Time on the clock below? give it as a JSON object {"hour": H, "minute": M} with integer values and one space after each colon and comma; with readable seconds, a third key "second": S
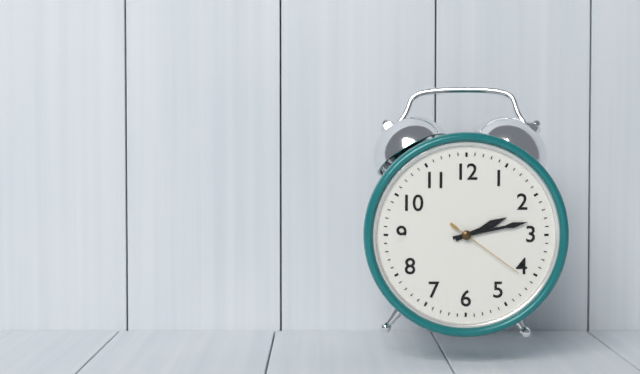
{"hour": 2, "minute": 13, "second": 21}
